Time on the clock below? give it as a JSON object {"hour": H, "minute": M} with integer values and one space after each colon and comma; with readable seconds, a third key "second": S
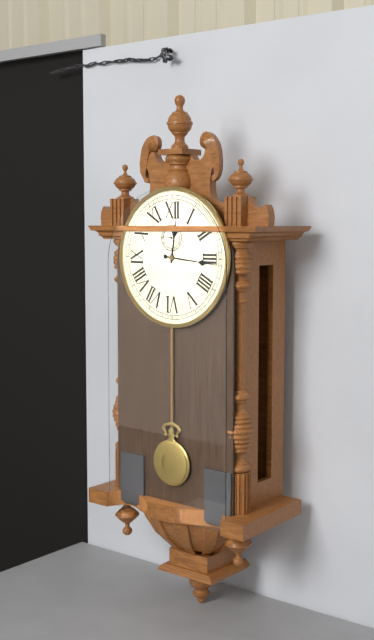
{"hour": 12, "minute": 16}
